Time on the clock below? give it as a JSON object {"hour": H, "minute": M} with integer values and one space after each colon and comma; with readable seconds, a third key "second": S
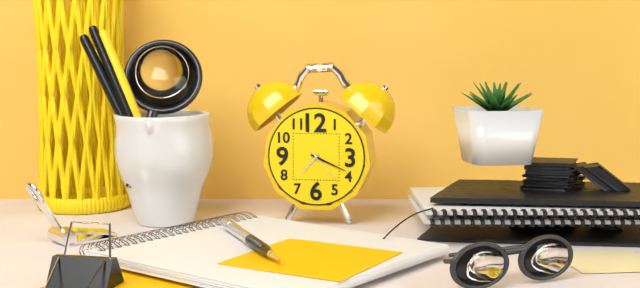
{"hour": 7, "minute": 19}
